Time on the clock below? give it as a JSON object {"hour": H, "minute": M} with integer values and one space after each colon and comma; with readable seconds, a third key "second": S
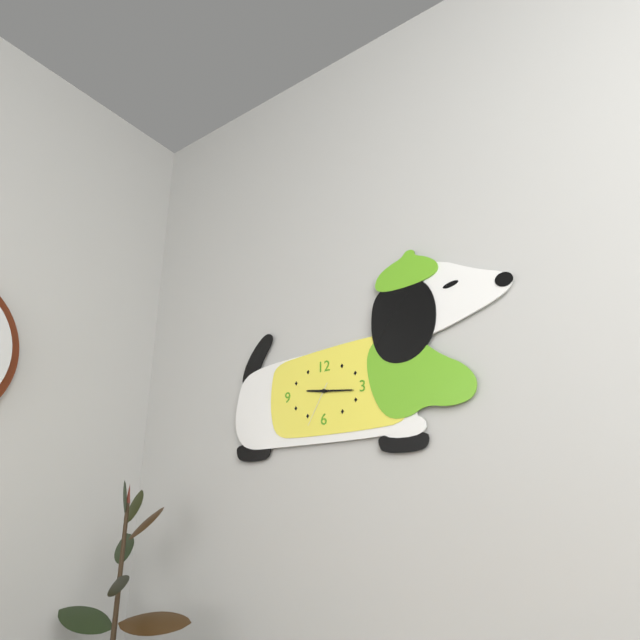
{"hour": 9, "minute": 16}
